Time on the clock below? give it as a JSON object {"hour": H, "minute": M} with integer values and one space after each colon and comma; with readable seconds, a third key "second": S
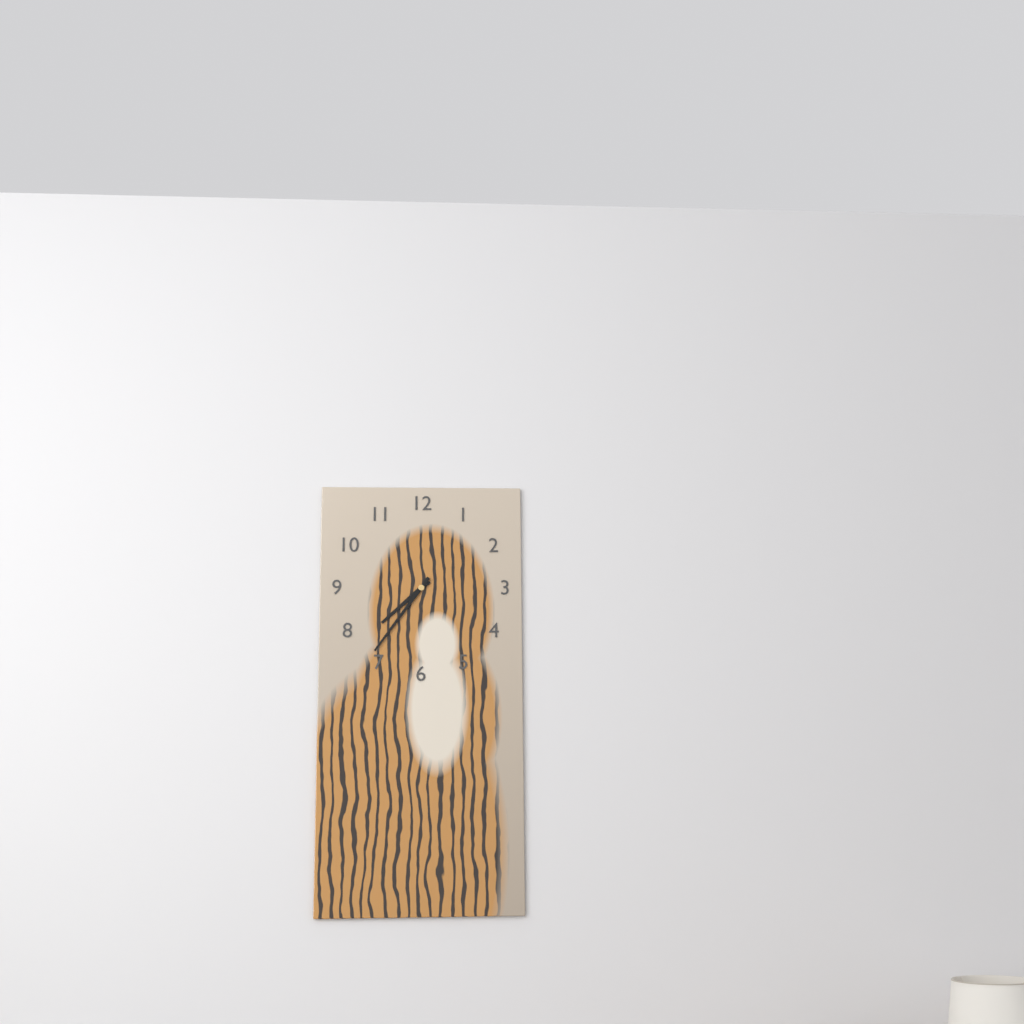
{"hour": 7, "minute": 36}
